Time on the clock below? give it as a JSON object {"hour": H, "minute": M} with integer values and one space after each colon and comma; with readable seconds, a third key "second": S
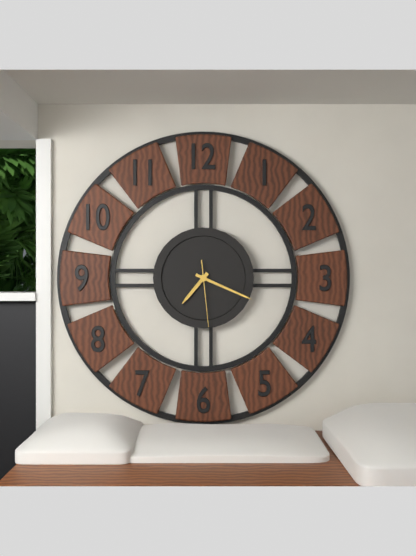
{"hour": 7, "minute": 19, "second": 29}
